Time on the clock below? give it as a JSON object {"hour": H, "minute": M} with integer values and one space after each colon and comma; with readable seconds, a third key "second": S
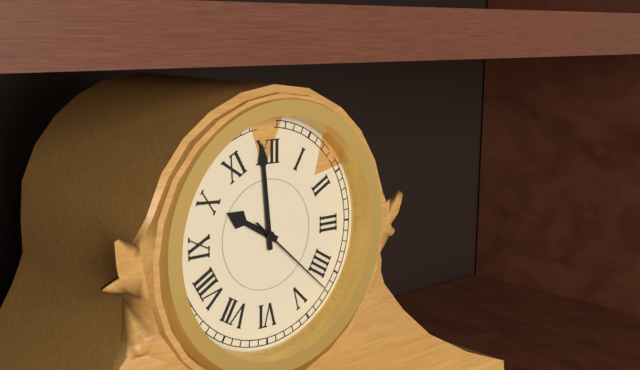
{"hour": 9, "minute": 59, "second": 22}
